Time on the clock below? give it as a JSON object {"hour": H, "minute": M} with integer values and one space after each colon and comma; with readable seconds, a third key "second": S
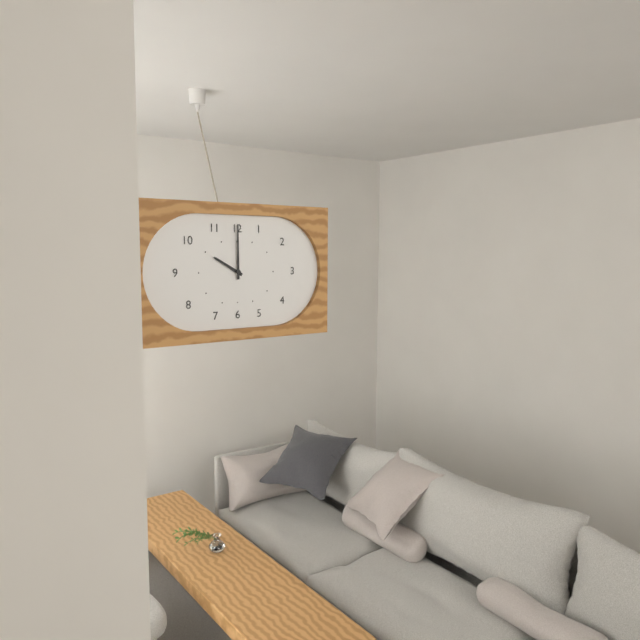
{"hour": 10, "minute": 0}
